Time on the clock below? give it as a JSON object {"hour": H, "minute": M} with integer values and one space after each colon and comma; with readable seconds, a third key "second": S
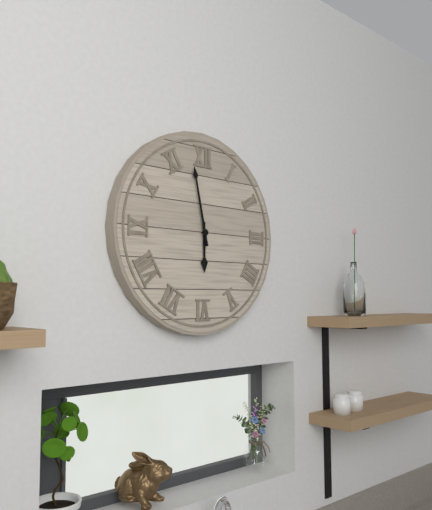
{"hour": 5, "minute": 58}
